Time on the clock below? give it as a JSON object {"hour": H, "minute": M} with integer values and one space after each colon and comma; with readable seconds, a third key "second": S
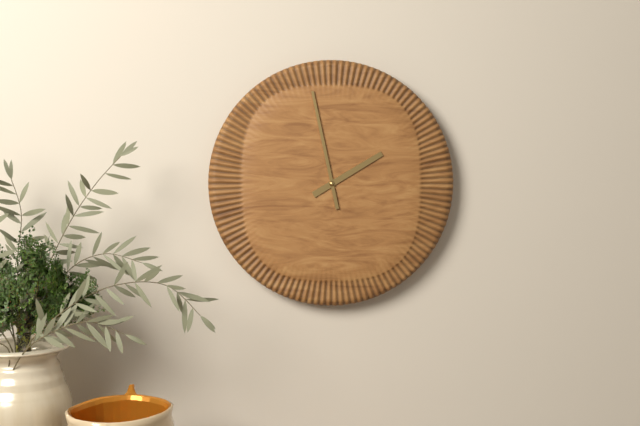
{"hour": 1, "minute": 58}
